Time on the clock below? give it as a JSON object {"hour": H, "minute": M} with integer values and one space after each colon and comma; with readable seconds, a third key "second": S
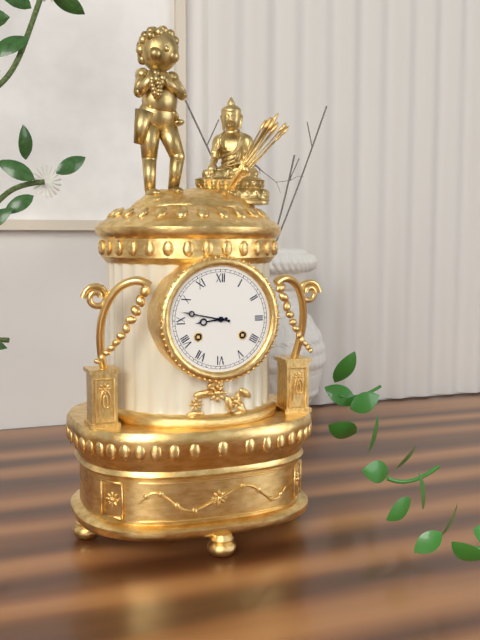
{"hour": 8, "minute": 47}
